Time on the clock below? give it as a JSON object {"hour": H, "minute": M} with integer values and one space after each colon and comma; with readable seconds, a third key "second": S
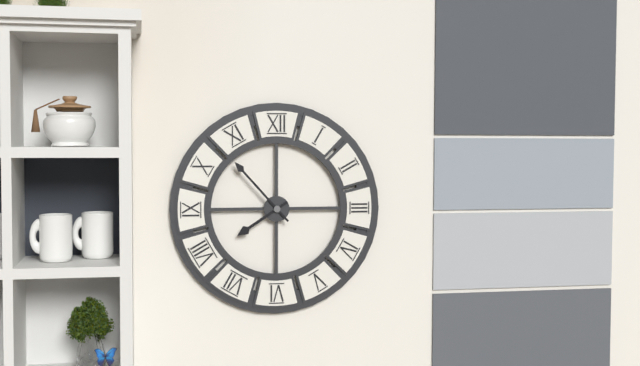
{"hour": 7, "minute": 53}
